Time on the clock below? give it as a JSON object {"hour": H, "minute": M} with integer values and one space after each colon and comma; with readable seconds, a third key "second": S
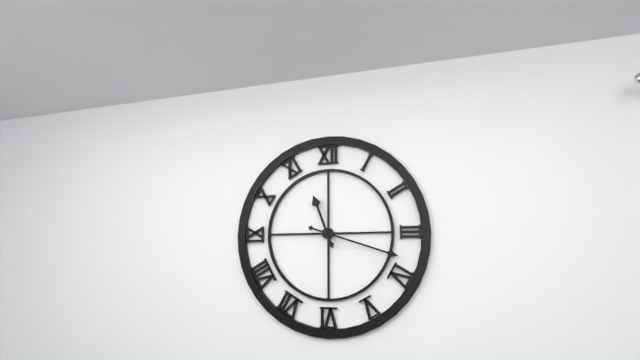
{"hour": 11, "minute": 18}
